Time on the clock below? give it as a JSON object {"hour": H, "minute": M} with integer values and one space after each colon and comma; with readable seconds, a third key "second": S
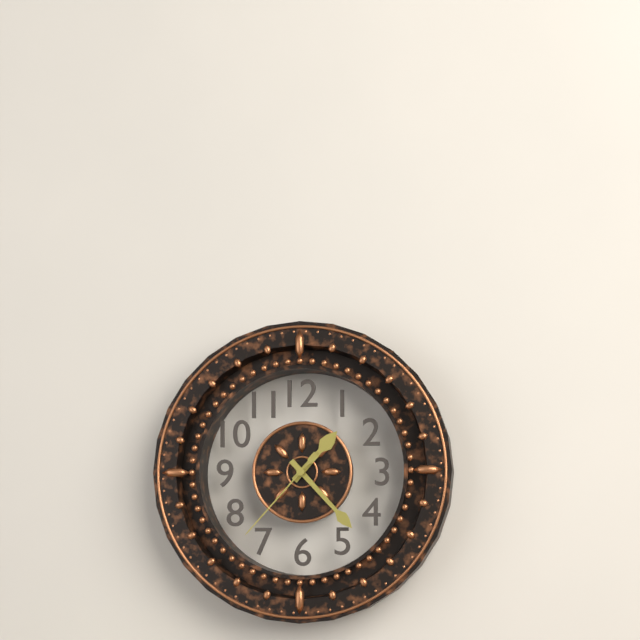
{"hour": 1, "minute": 23, "second": 37}
